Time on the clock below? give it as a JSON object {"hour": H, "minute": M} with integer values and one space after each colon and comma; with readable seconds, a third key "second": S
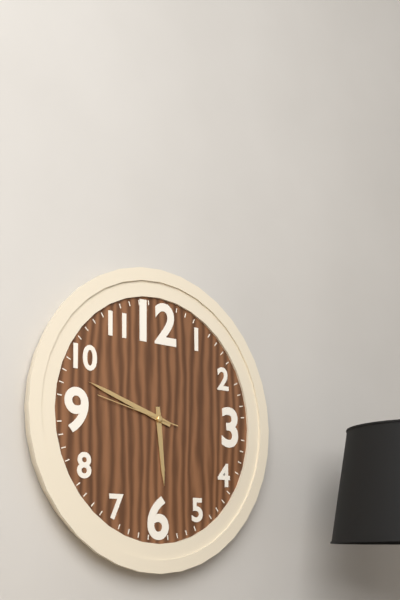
{"hour": 5, "minute": 48, "second": 47}
